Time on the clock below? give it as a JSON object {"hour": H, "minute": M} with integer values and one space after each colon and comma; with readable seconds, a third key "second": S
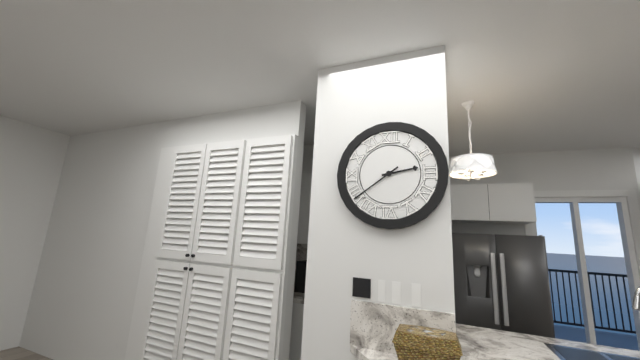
{"hour": 2, "minute": 39}
